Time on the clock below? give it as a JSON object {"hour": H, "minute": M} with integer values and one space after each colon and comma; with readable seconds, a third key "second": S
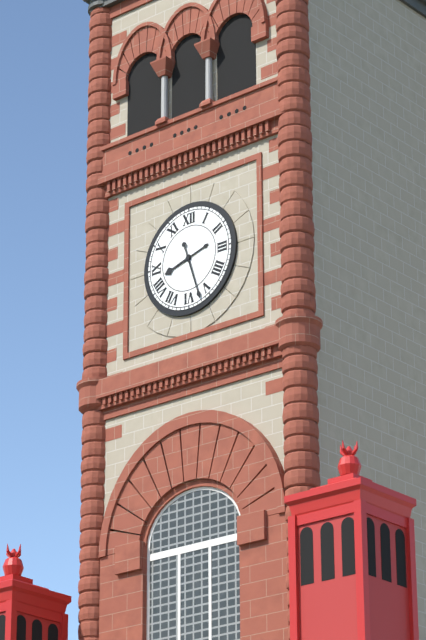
{"hour": 8, "minute": 27}
